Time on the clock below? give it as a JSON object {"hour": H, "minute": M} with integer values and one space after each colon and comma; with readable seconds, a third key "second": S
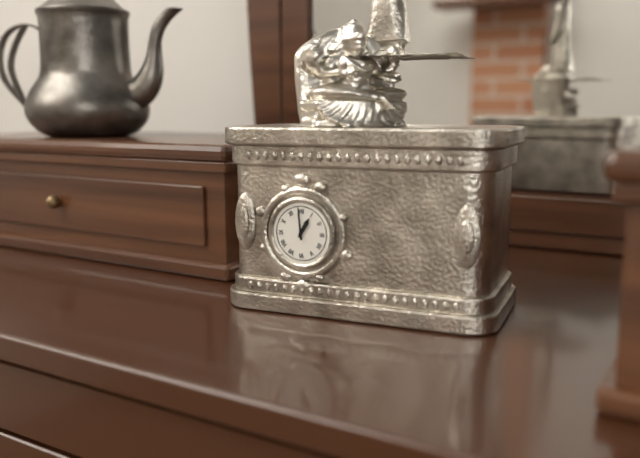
{"hour": 12, "minute": 59}
